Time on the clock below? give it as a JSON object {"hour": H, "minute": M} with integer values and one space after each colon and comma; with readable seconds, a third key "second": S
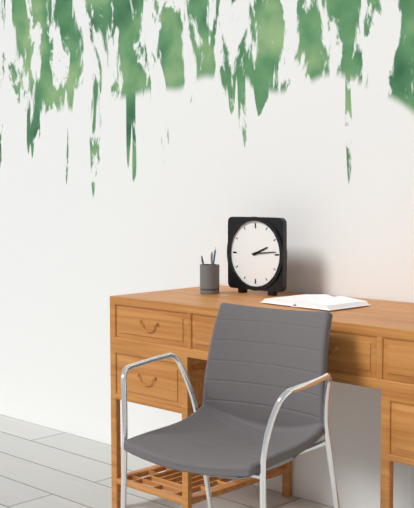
{"hour": 2, "minute": 14}
